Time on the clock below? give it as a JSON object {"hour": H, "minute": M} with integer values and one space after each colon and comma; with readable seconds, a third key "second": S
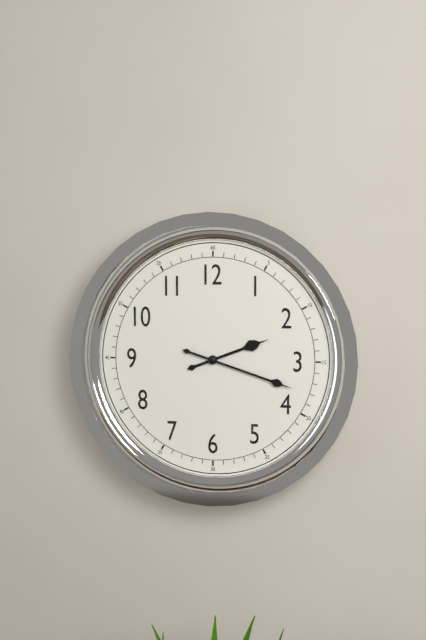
{"hour": 2, "minute": 18}
